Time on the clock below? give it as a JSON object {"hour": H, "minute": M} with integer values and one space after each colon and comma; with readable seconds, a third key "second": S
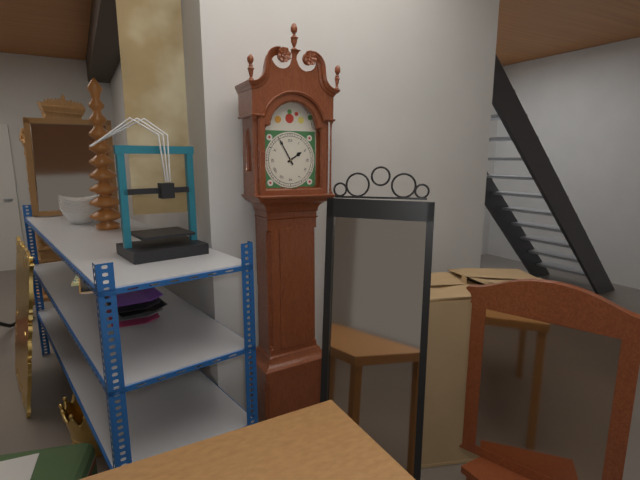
{"hour": 1, "minute": 55}
